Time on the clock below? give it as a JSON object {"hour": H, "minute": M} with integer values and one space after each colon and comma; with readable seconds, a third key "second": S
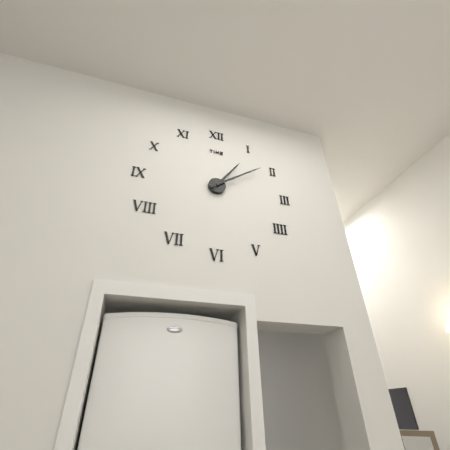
{"hour": 1, "minute": 9}
